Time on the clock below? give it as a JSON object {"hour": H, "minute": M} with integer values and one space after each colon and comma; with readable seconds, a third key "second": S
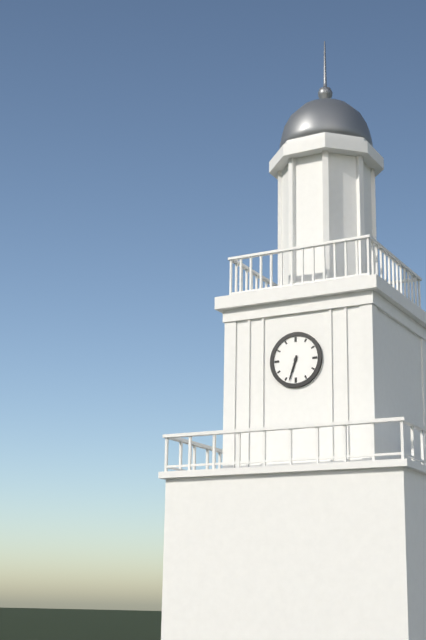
{"hour": 6, "minute": 33}
